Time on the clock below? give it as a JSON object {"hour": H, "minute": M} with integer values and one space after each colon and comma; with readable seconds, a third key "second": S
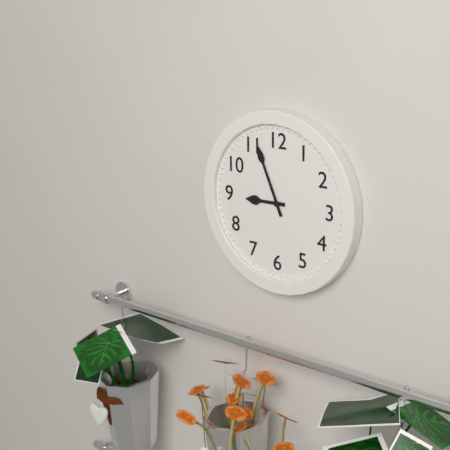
{"hour": 8, "minute": 56}
